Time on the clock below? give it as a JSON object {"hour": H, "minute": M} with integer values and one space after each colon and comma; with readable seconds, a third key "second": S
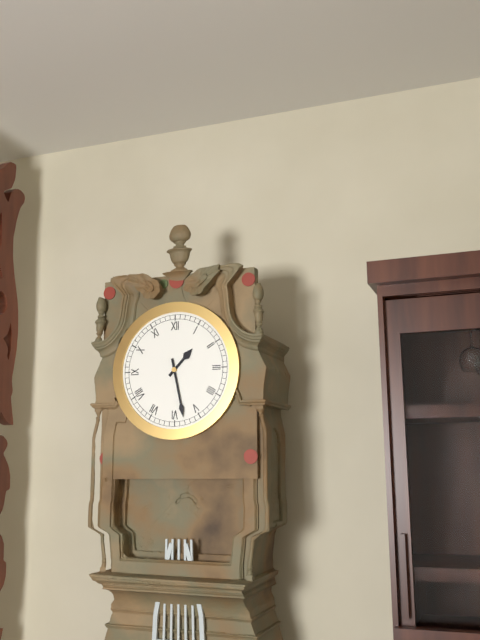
{"hour": 1, "minute": 28}
